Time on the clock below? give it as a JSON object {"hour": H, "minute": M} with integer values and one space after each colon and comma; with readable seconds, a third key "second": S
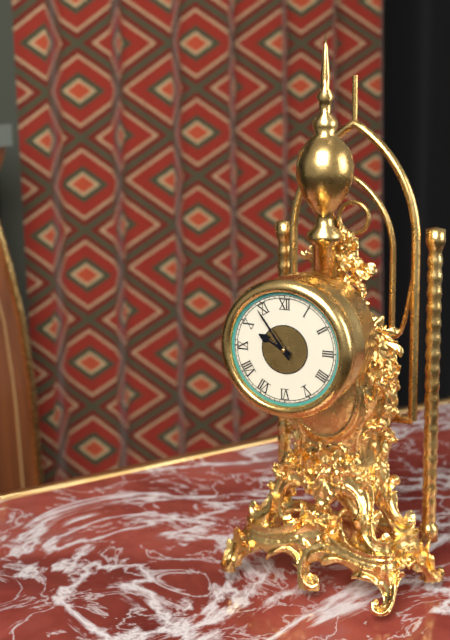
{"hour": 9, "minute": 54}
